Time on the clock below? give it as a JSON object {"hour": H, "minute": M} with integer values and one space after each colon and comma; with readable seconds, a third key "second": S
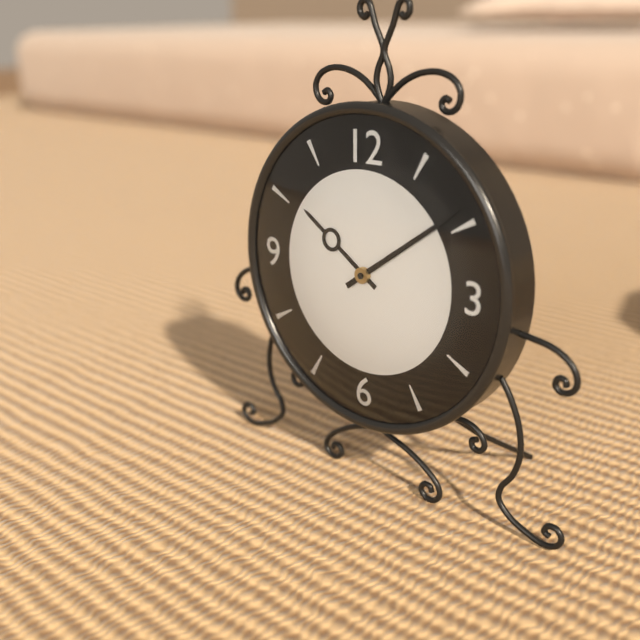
{"hour": 10, "minute": 9}
